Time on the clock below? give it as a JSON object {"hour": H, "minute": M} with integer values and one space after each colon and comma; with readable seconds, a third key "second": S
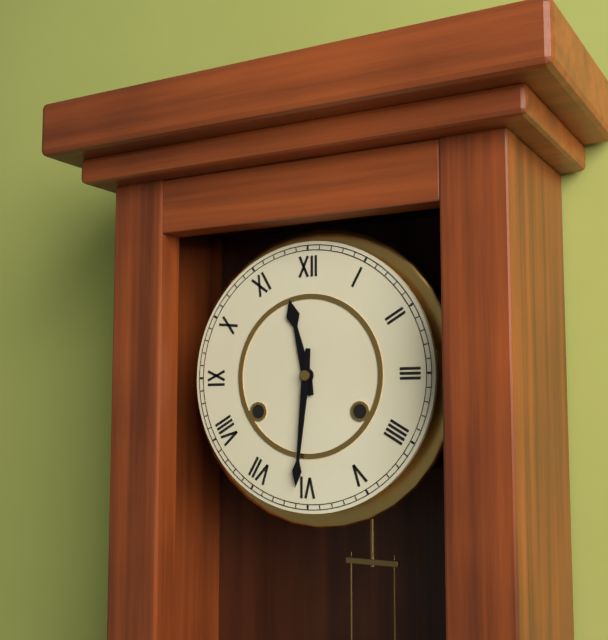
{"hour": 11, "minute": 31}
